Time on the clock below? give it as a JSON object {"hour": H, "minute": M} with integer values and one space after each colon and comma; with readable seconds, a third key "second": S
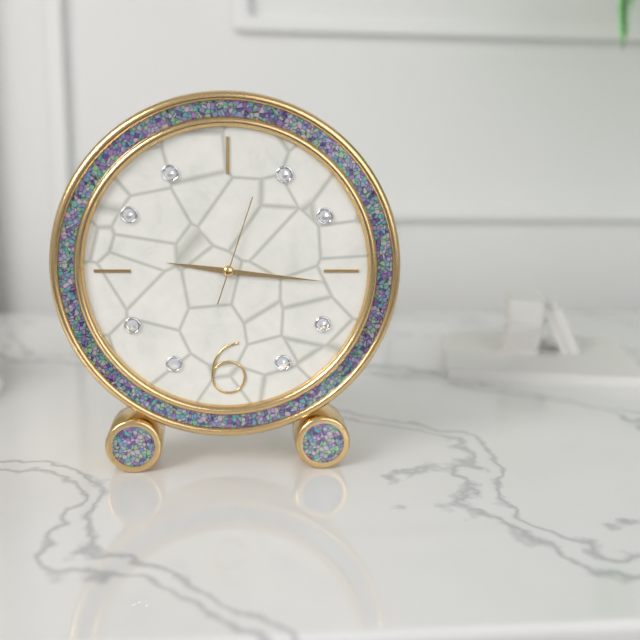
{"hour": 9, "minute": 16, "second": 3}
